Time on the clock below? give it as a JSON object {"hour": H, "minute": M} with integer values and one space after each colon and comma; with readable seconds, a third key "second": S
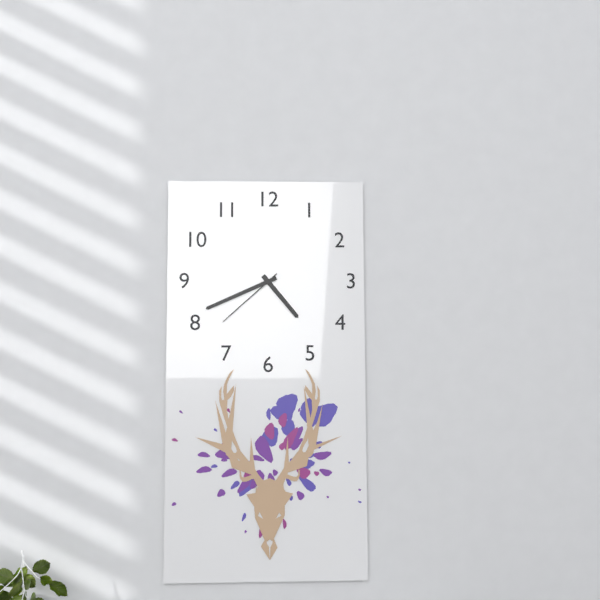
{"hour": 4, "minute": 41, "second": 38}
